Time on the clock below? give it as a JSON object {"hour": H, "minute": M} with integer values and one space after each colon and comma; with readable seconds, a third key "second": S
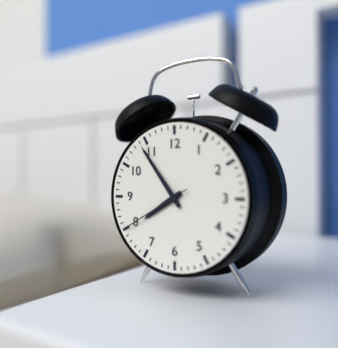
{"hour": 7, "minute": 54, "second": 40}
